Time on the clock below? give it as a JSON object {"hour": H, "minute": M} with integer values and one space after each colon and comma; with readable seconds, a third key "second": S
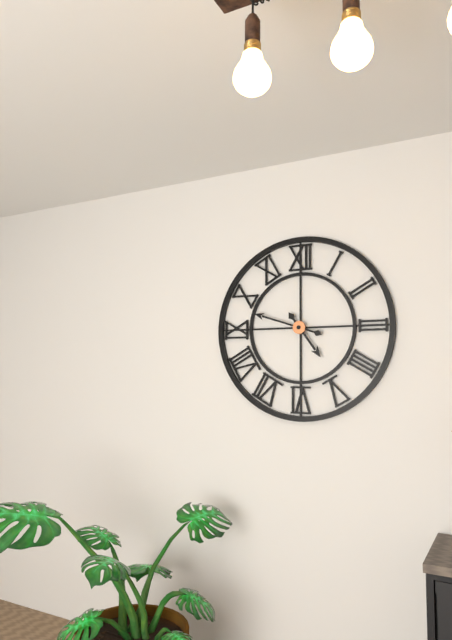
{"hour": 4, "minute": 48}
